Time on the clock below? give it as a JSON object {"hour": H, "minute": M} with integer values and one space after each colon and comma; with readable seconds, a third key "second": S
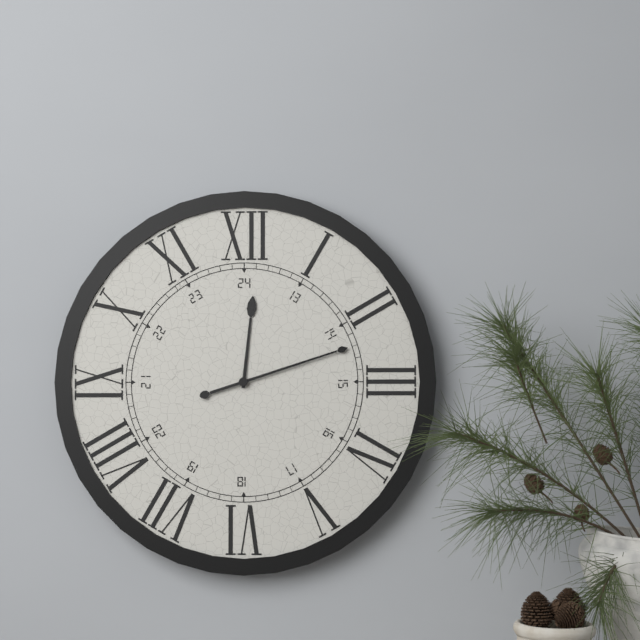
{"hour": 12, "minute": 12}
